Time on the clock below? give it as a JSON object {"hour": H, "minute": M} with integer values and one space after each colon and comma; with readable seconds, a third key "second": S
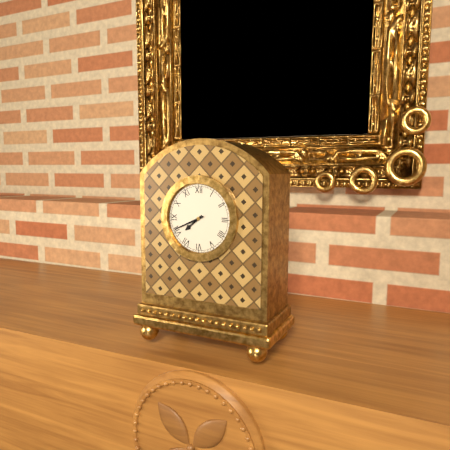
{"hour": 7, "minute": 41}
